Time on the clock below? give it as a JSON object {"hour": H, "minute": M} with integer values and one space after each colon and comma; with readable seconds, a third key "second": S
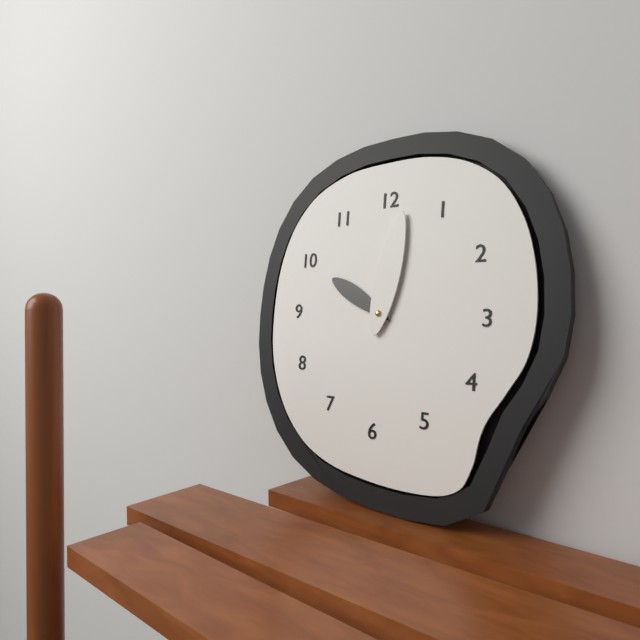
{"hour": 10, "minute": 2}
